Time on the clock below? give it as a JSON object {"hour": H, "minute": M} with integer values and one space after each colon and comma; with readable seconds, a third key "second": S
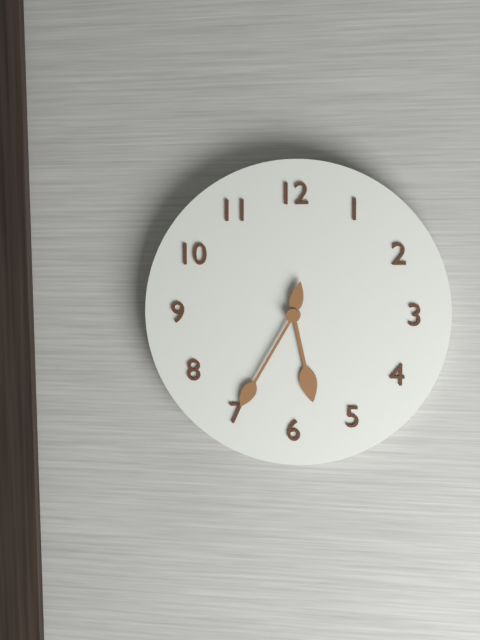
{"hour": 5, "minute": 35}
